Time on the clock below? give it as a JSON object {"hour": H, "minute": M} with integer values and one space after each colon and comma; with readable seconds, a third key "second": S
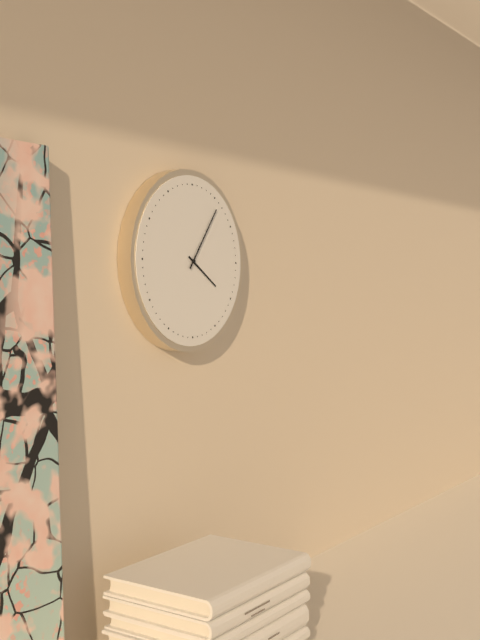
{"hour": 4, "minute": 6}
